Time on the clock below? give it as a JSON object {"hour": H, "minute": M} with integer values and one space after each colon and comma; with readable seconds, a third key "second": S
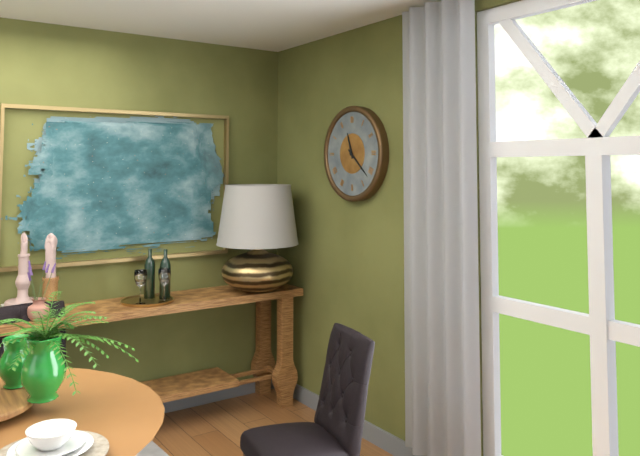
{"hour": 11, "minute": 22}
